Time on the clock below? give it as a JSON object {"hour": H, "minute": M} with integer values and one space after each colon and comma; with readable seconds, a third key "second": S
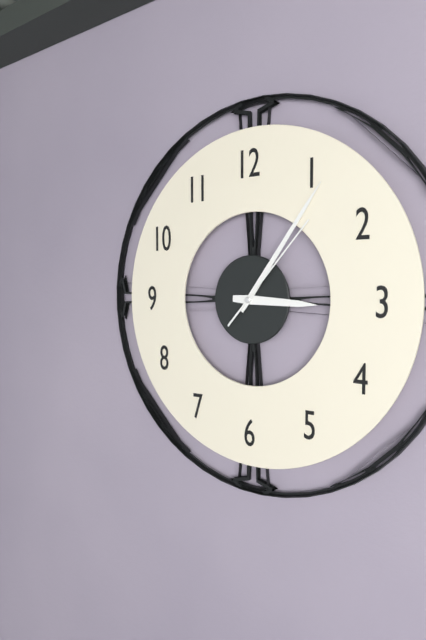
{"hour": 3, "minute": 6, "second": 7}
